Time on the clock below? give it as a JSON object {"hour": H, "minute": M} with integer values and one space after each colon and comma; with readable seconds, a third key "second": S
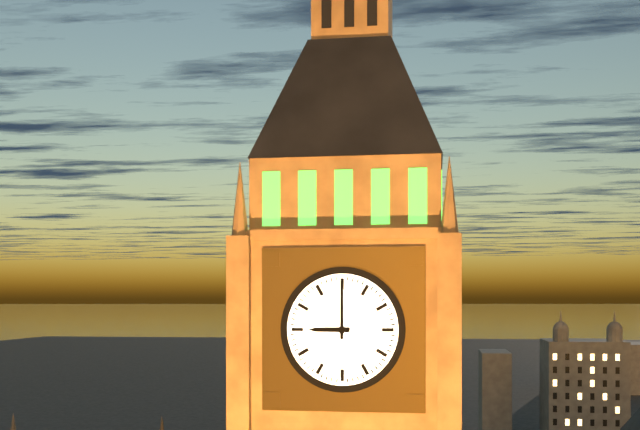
{"hour": 9, "minute": 0}
